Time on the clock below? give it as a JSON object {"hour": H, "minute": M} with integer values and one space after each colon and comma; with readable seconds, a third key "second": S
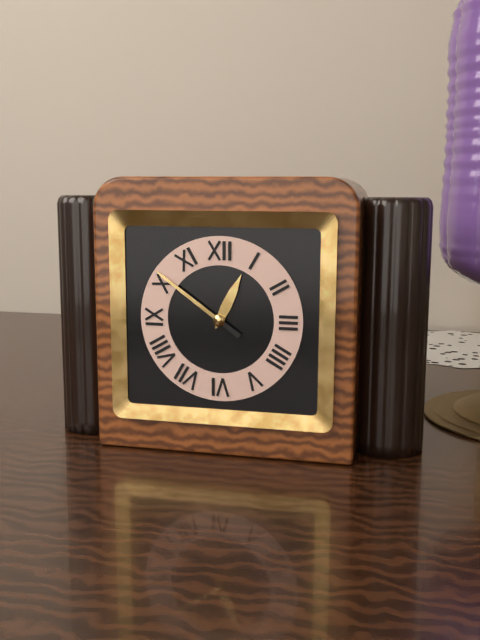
{"hour": 12, "minute": 51}
